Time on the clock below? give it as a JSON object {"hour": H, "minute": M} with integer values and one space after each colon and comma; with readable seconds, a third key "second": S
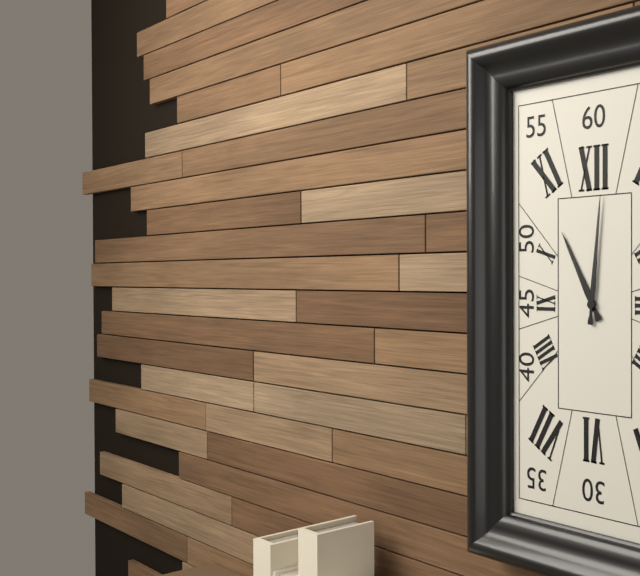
{"hour": 11, "minute": 1}
